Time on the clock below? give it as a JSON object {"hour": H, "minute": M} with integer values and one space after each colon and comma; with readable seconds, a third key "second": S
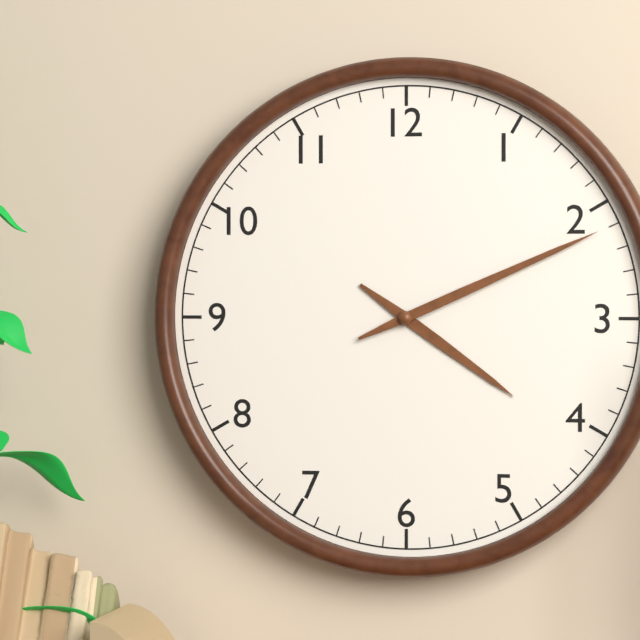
{"hour": 4, "minute": 11}
